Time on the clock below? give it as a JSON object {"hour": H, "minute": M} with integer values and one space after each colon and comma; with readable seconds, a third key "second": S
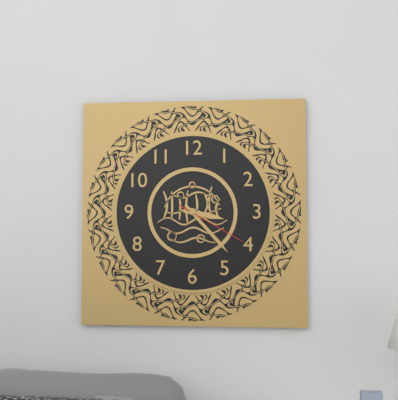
{"hour": 3, "minute": 23, "second": 20}
